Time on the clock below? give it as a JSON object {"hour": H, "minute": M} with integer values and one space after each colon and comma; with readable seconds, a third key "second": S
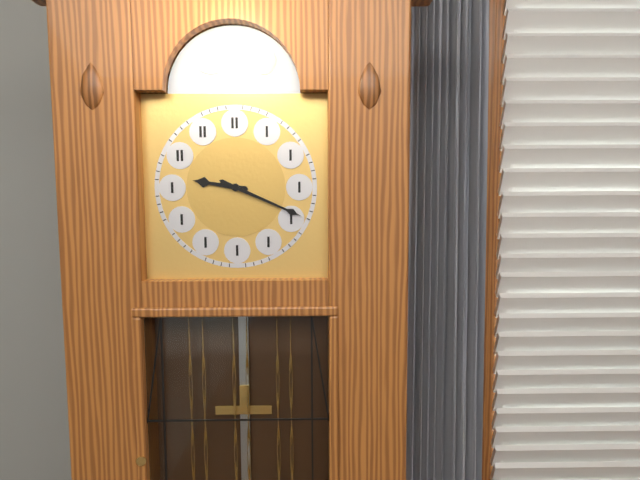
{"hour": 9, "minute": 19}
